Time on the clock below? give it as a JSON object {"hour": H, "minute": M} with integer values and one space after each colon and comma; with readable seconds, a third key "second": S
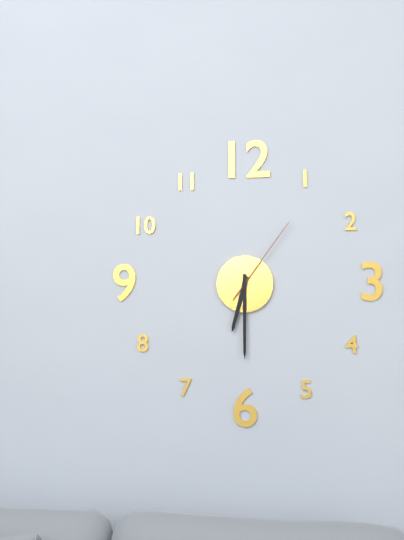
{"hour": 6, "minute": 30, "second": 6}
